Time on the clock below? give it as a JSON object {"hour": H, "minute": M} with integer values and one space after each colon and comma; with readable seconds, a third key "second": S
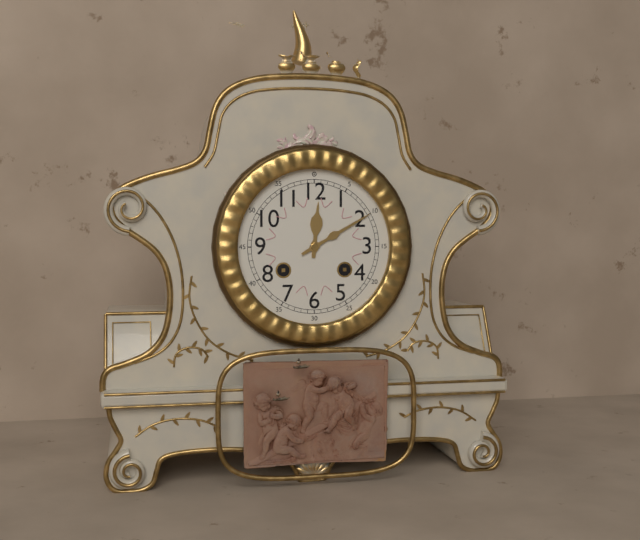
{"hour": 12, "minute": 10}
